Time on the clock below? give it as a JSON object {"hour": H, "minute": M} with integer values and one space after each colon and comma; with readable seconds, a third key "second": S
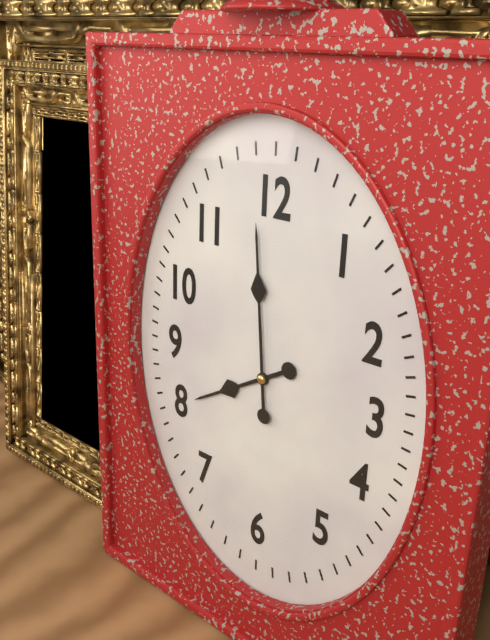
{"hour": 7, "minute": 59}
